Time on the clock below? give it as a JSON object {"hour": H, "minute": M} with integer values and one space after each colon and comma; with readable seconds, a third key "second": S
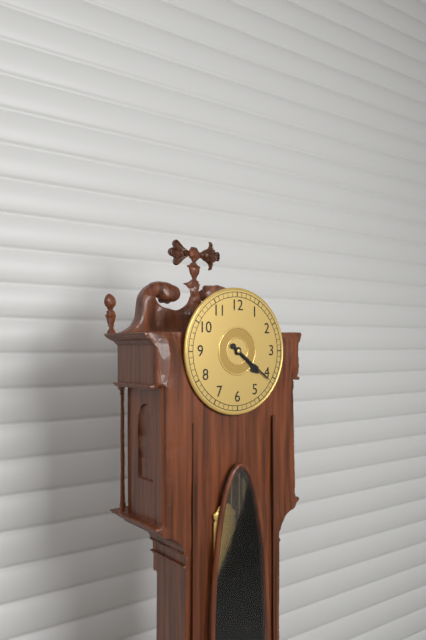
{"hour": 4, "minute": 21}
